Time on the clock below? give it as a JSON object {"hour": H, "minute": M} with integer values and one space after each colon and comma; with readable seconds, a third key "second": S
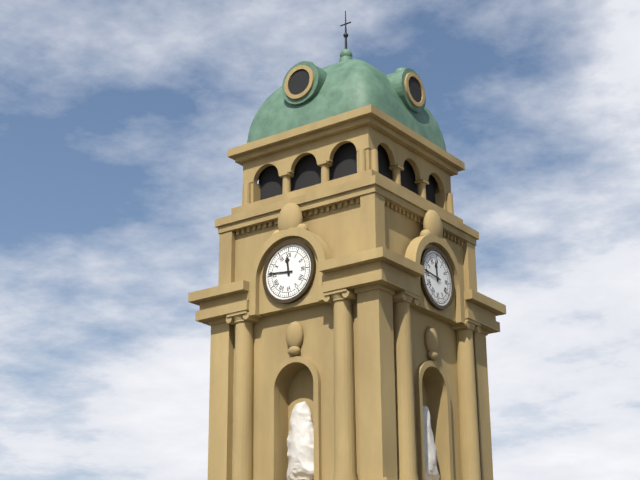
{"hour": 11, "minute": 46}
